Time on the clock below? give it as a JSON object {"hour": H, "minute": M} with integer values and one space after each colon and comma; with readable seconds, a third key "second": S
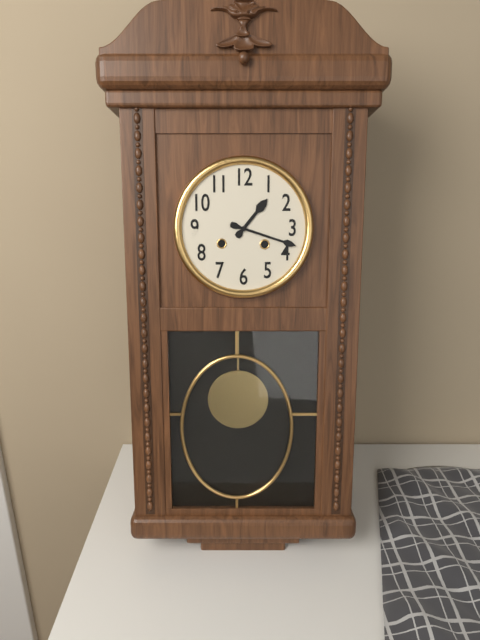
{"hour": 1, "minute": 18}
